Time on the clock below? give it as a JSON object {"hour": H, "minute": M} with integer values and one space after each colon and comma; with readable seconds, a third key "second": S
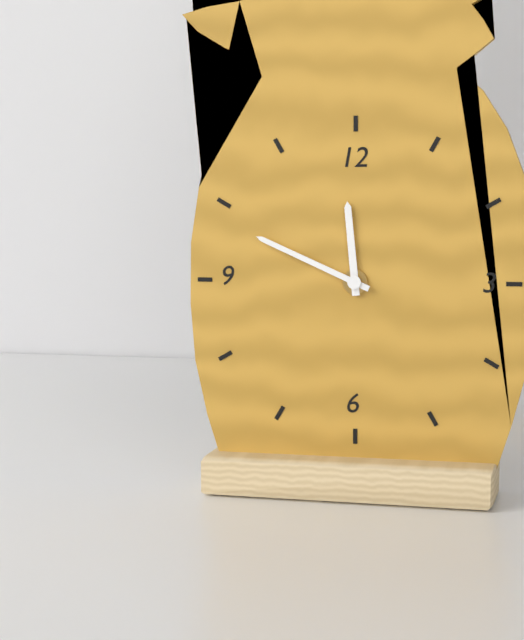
{"hour": 11, "minute": 49}
